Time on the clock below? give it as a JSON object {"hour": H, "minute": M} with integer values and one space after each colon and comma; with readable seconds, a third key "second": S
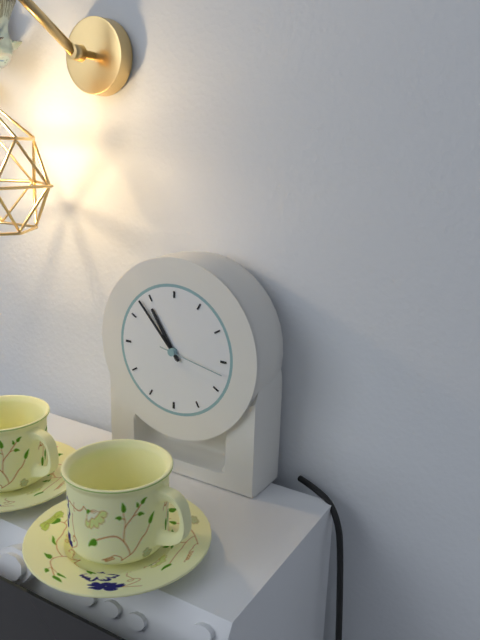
{"hour": 10, "minute": 53, "second": 17}
